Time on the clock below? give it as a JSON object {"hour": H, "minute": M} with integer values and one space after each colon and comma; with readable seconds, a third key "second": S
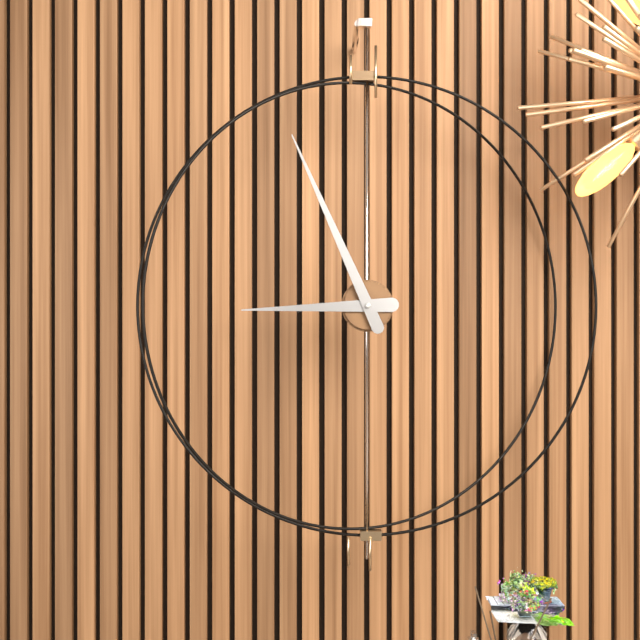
{"hour": 8, "minute": 56}
